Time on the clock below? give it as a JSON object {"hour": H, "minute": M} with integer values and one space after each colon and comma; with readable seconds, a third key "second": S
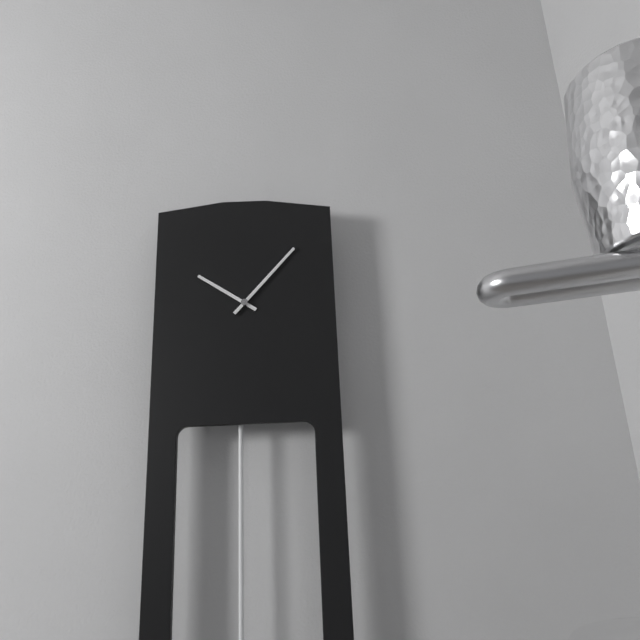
{"hour": 10, "minute": 7}
